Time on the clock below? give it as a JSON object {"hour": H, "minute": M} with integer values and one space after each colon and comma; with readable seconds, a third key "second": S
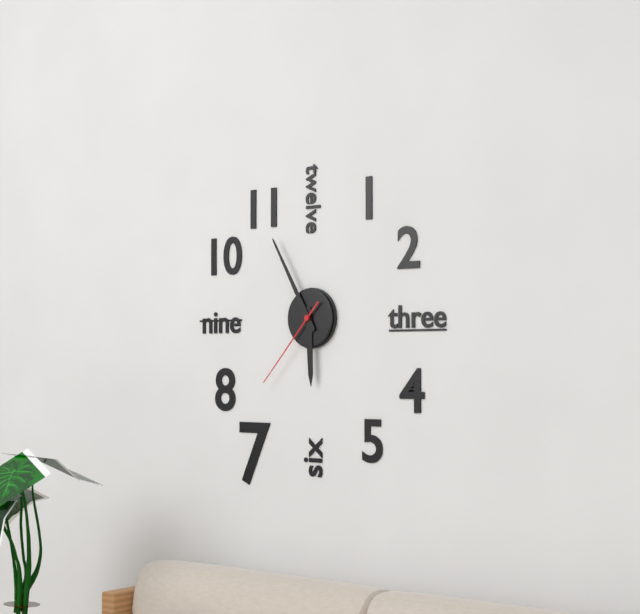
{"hour": 5, "minute": 55, "second": 37}
